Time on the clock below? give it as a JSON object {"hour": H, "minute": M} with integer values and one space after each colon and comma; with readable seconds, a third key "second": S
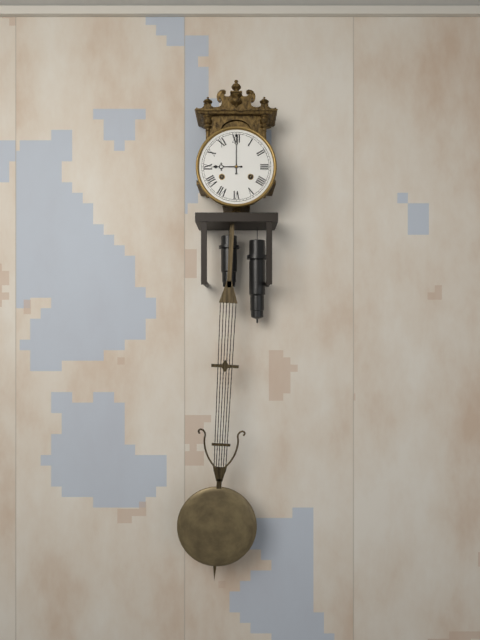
{"hour": 9, "minute": 0}
